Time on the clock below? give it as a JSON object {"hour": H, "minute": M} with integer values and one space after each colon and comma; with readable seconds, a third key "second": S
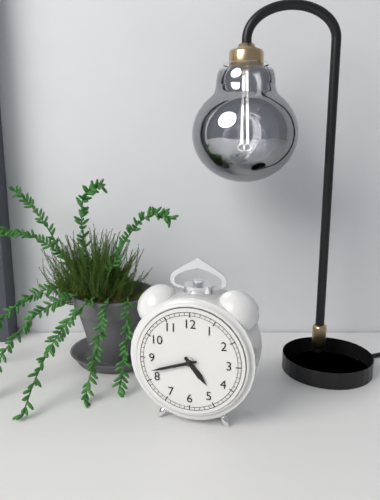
{"hour": 4, "minute": 42}
